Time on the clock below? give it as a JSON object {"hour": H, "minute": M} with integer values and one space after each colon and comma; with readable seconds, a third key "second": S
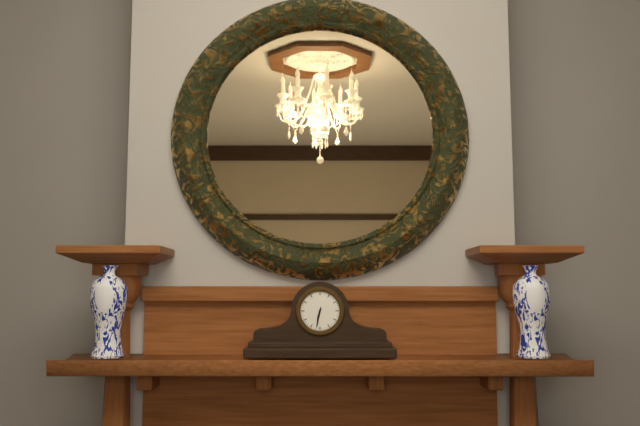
{"hour": 6, "minute": 32}
